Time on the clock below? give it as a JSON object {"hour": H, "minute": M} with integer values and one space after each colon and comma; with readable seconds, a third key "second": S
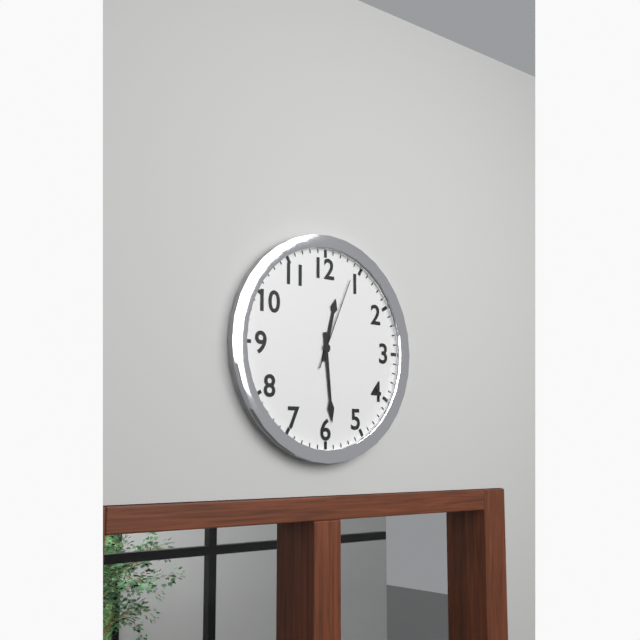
{"hour": 12, "minute": 29, "second": 4}
